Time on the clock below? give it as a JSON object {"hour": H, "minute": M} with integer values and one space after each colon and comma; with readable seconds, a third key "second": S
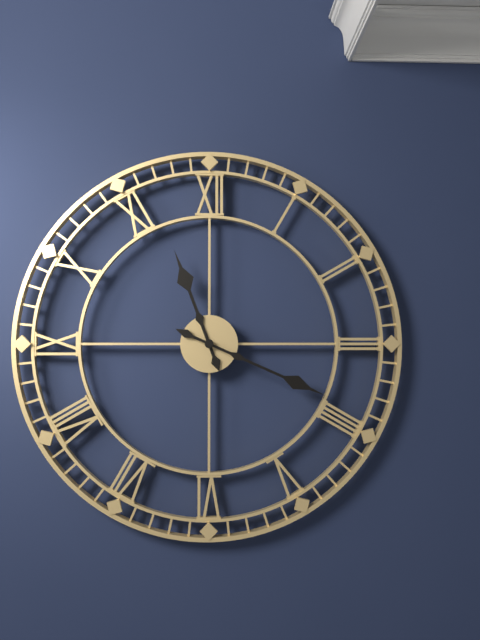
{"hour": 11, "minute": 19}
